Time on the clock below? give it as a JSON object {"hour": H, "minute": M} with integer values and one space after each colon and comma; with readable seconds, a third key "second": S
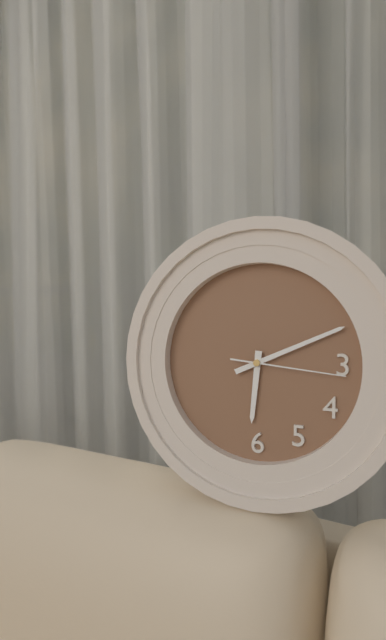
{"hour": 6, "minute": 11, "second": 16}
